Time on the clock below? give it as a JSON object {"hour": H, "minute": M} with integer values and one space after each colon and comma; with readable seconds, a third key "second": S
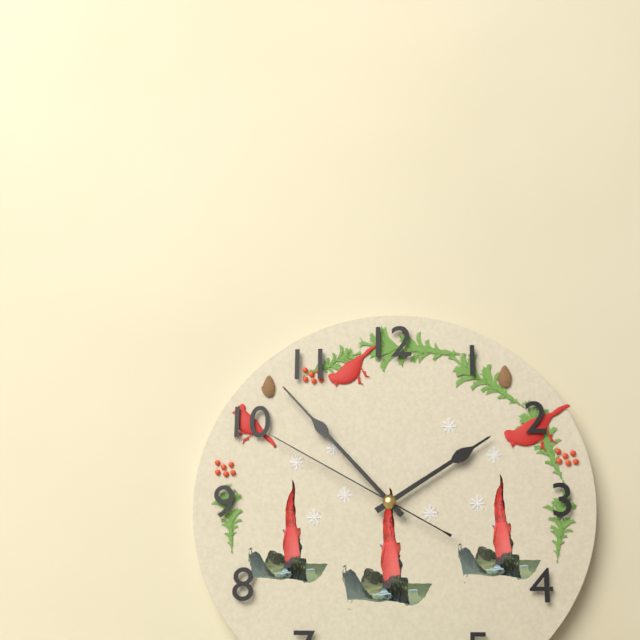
{"hour": 1, "minute": 53, "second": 50}
